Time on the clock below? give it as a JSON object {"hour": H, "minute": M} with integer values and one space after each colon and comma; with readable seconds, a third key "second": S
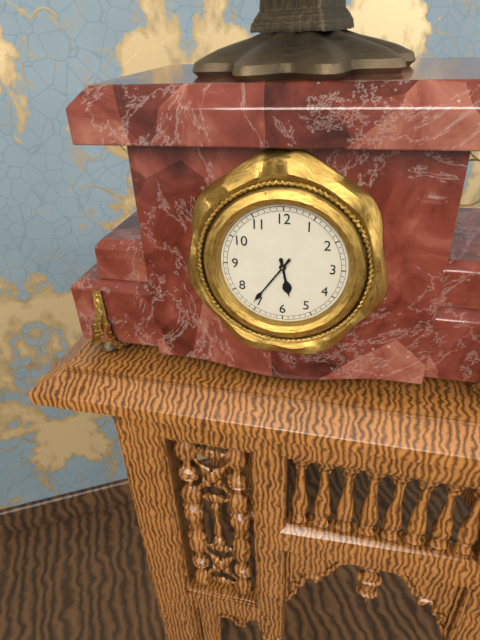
{"hour": 5, "minute": 36}
